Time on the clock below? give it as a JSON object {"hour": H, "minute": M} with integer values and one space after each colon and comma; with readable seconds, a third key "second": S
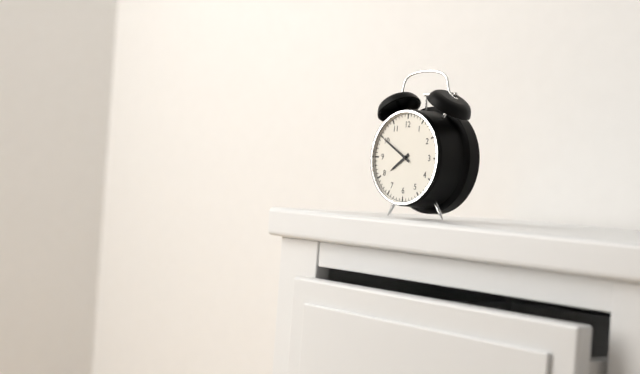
{"hour": 7, "minute": 50}
